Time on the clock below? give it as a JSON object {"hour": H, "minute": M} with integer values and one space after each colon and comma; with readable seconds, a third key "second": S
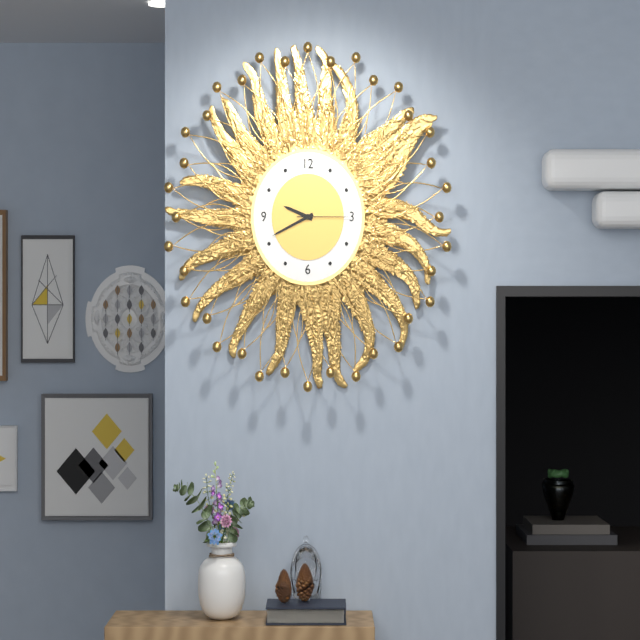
{"hour": 9, "minute": 41, "second": 15}
